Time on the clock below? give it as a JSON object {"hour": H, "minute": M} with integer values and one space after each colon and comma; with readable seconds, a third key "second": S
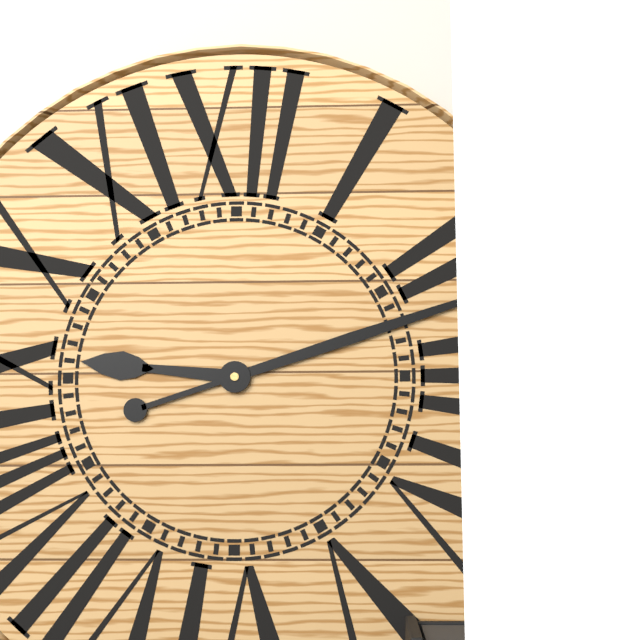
{"hour": 9, "minute": 12}
